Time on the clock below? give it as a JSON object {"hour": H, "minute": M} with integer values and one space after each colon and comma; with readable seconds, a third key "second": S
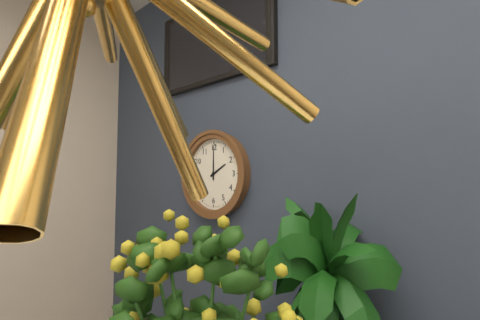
{"hour": 2, "minute": 0}
